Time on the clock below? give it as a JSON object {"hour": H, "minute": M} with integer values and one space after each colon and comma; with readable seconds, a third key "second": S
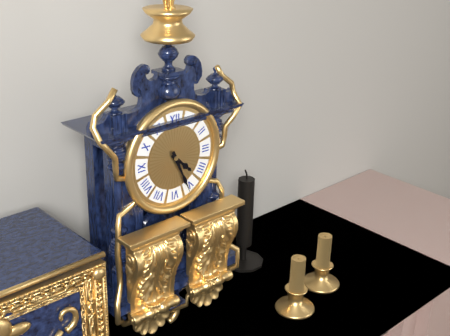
{"hour": 4, "minute": 26}
